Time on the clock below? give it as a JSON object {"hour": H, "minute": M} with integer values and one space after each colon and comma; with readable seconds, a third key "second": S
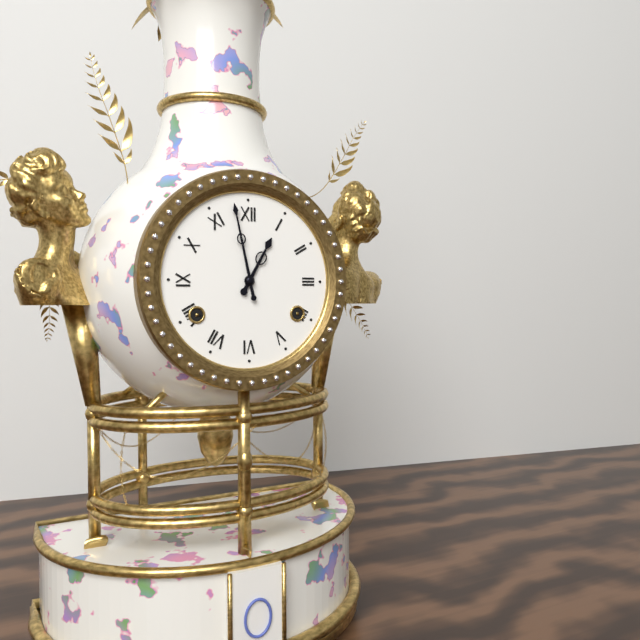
{"hour": 12, "minute": 58}
